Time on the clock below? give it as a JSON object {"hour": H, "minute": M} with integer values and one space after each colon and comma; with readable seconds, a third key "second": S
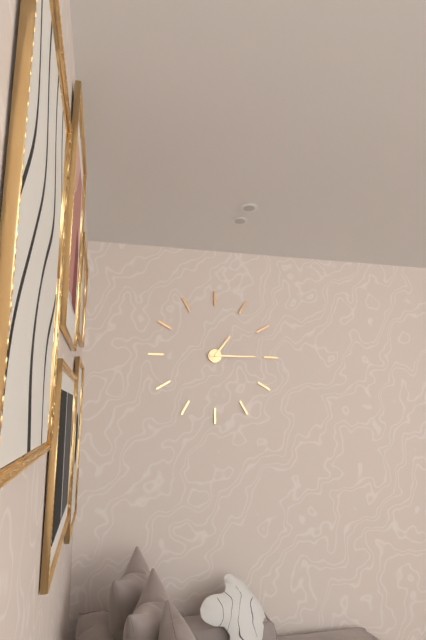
{"hour": 1, "minute": 15}
